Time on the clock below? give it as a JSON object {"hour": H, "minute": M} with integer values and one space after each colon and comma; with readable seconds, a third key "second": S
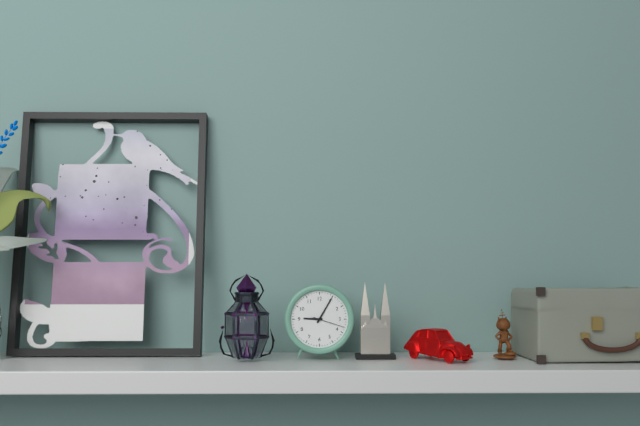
{"hour": 9, "minute": 5}
